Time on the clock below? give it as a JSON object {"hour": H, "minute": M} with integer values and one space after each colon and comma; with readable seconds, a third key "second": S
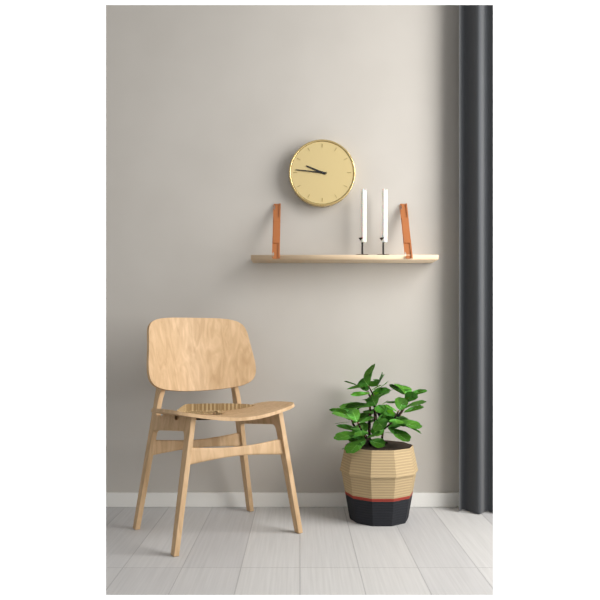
{"hour": 9, "minute": 46}
